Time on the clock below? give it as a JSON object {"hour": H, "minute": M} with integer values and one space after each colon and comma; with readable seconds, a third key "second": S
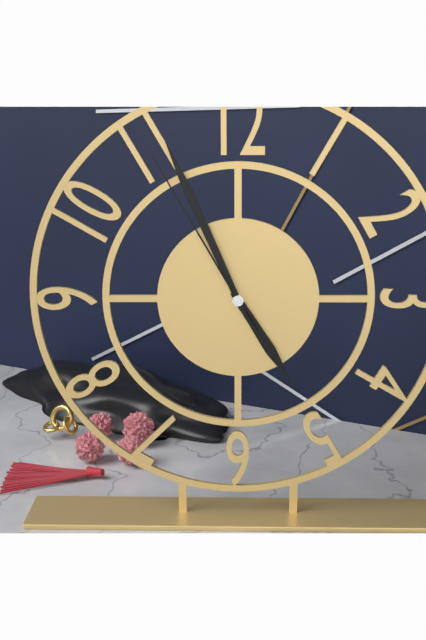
{"hour": 4, "minute": 56, "second": 55}
